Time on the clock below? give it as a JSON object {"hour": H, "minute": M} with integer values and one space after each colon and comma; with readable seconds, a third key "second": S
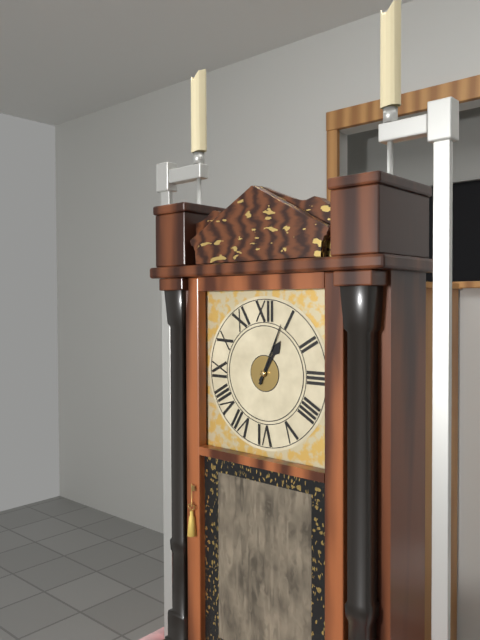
{"hour": 1, "minute": 4}
